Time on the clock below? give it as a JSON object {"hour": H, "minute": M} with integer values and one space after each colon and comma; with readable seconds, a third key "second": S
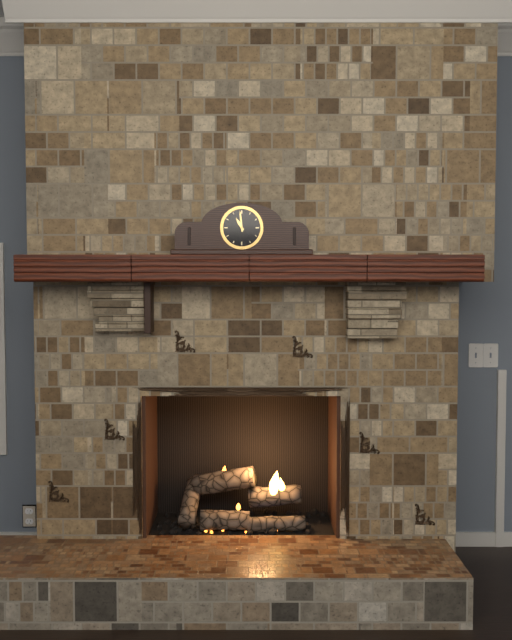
{"hour": 10, "minute": 59}
